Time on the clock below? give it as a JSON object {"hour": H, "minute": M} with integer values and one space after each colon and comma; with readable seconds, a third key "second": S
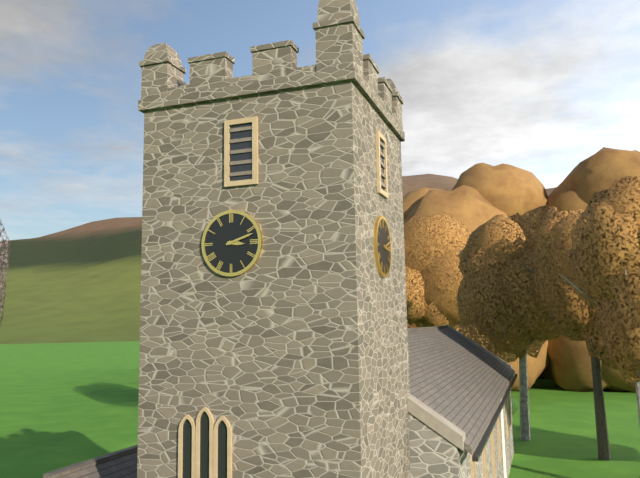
{"hour": 3, "minute": 12}
